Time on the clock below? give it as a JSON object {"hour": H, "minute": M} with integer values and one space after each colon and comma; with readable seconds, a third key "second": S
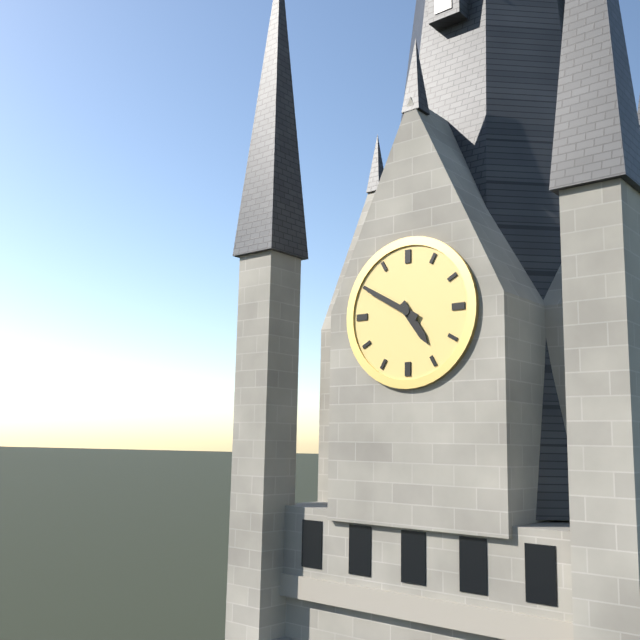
{"hour": 4, "minute": 50}
